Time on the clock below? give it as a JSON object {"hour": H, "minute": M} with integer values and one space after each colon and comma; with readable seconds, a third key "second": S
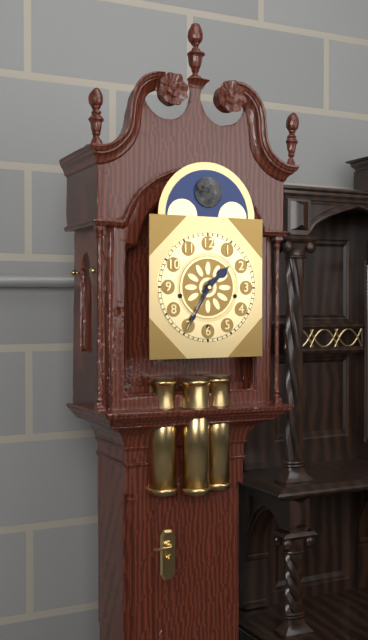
{"hour": 1, "minute": 35}
